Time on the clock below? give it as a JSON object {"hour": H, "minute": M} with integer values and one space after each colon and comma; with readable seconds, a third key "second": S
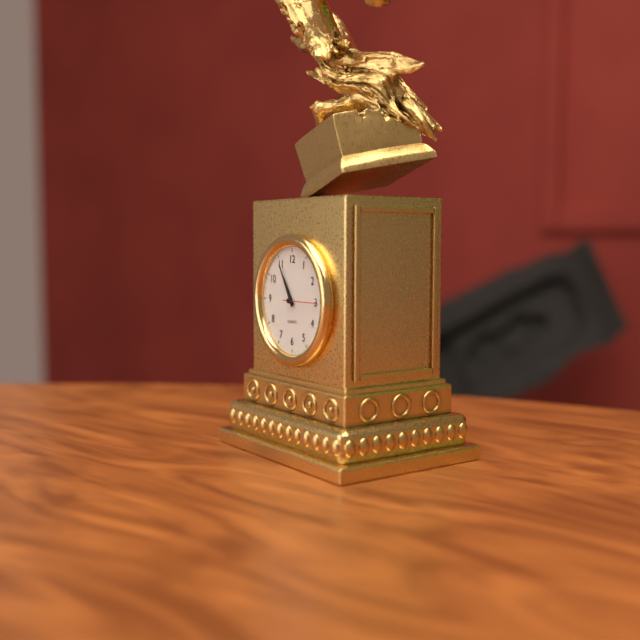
{"hour": 10, "minute": 55}
